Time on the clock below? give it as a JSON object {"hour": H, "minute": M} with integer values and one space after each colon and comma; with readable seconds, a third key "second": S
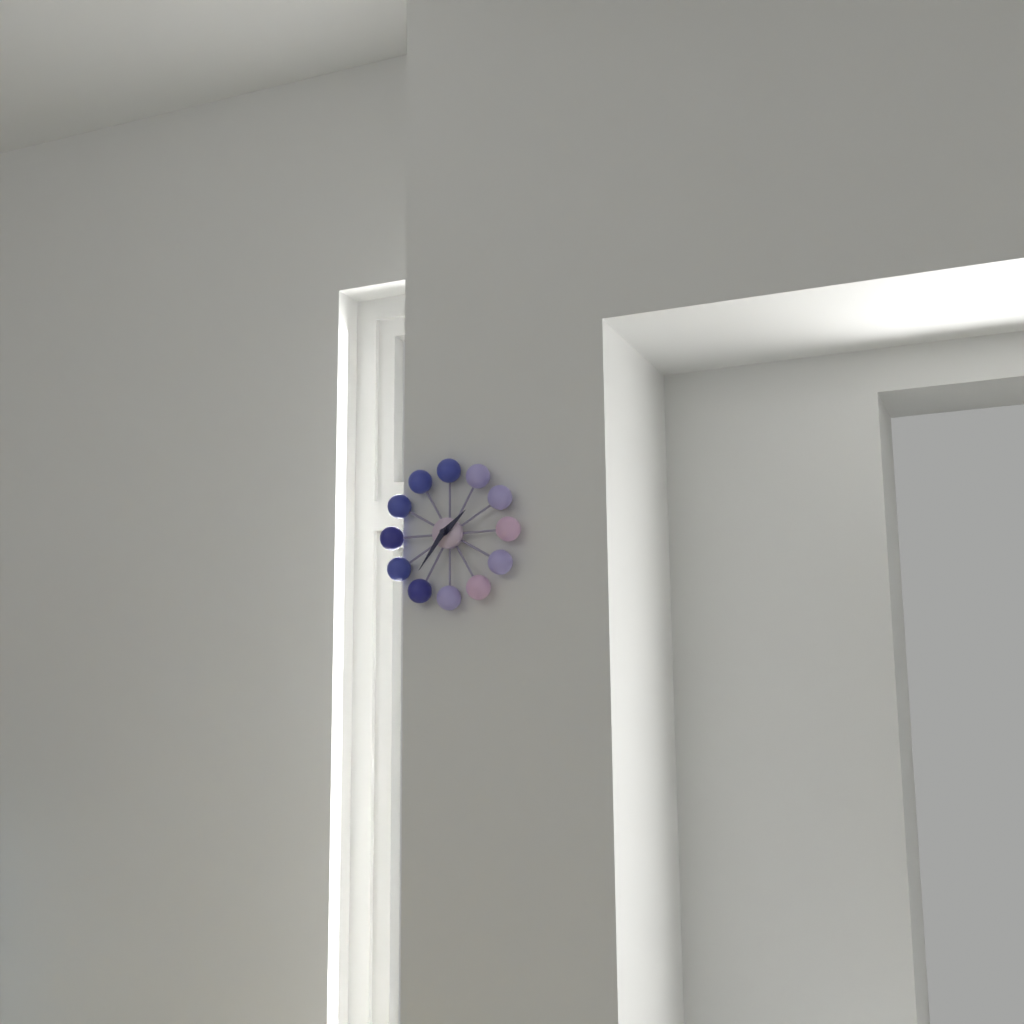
{"hour": 1, "minute": 36}
